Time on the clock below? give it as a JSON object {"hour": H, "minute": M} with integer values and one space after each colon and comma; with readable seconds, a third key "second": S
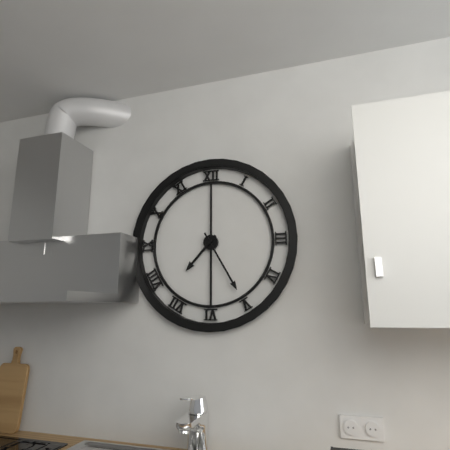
{"hour": 7, "minute": 25}
